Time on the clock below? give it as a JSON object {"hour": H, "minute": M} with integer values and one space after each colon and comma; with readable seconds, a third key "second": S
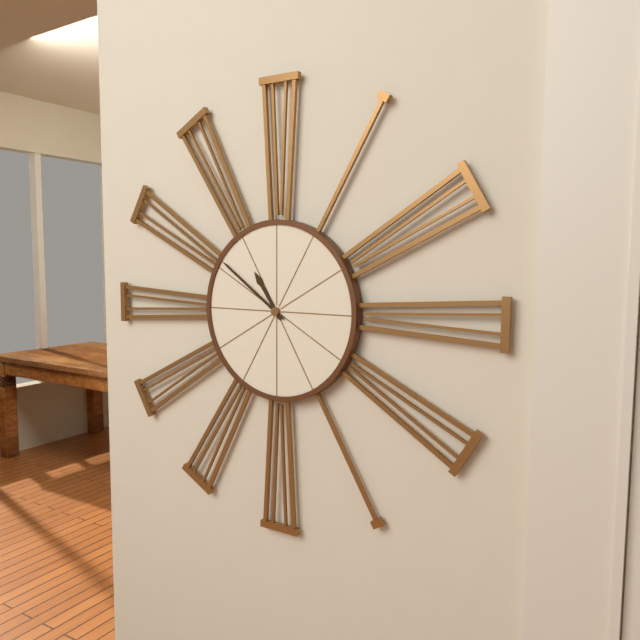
{"hour": 10, "minute": 51}
